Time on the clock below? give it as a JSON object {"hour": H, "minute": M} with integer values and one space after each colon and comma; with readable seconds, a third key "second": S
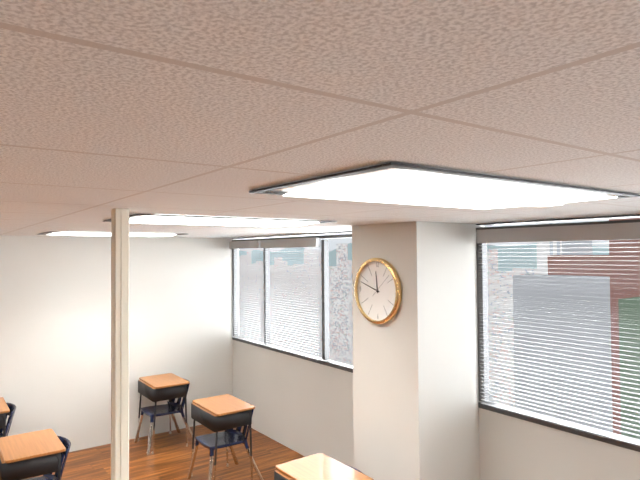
{"hour": 11, "minute": 48}
